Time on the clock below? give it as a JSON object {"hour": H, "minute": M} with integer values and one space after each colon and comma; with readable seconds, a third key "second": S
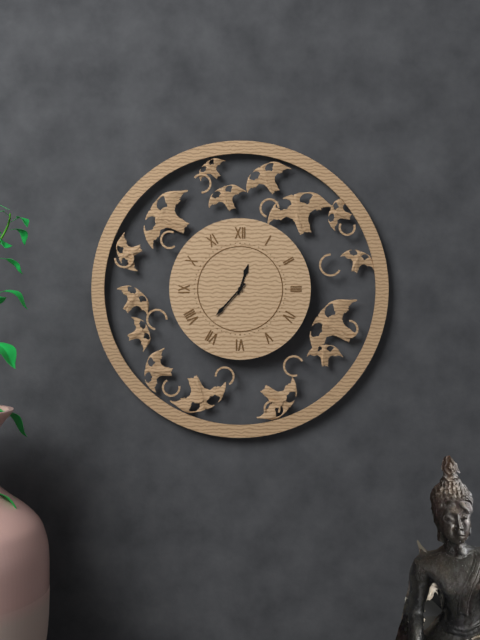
{"hour": 12, "minute": 37}
